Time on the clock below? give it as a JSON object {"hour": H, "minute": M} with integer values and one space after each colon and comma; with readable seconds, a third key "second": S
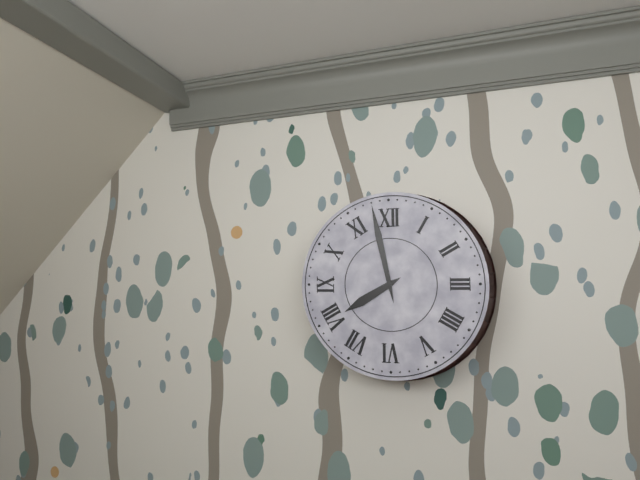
{"hour": 7, "minute": 58}
